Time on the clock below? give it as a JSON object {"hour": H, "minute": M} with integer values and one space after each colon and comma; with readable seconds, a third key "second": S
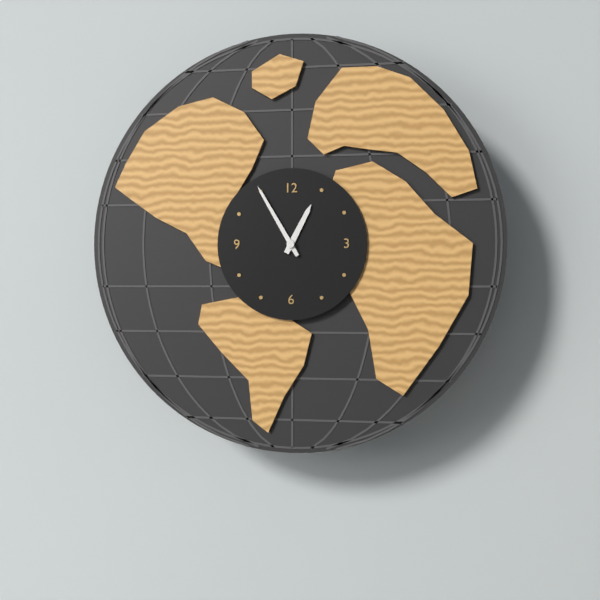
{"hour": 12, "minute": 55}
